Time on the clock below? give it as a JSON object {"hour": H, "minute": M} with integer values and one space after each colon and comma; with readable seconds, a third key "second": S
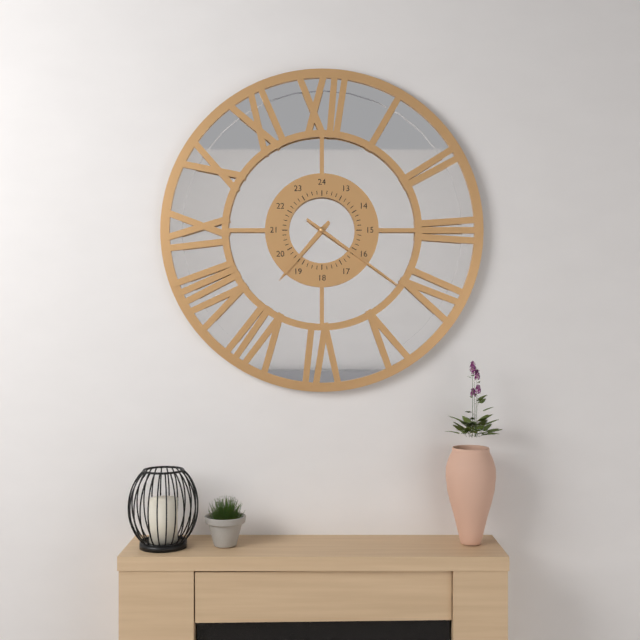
{"hour": 7, "minute": 21}
